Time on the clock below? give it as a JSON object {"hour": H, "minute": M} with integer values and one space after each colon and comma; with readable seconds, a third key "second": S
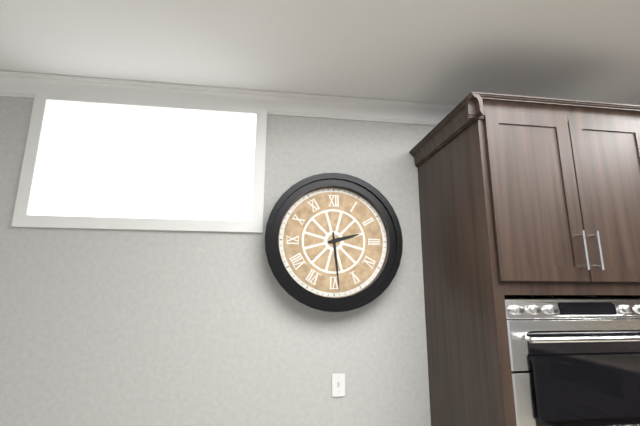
{"hour": 2, "minute": 29}
